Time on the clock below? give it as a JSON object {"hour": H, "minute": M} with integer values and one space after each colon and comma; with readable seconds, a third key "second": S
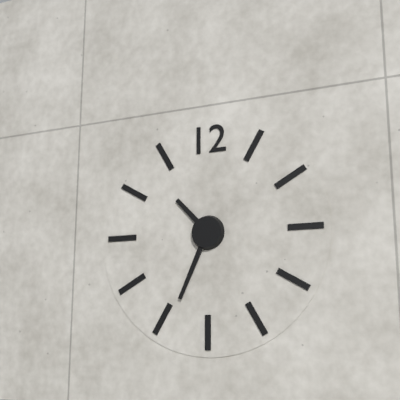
{"hour": 10, "minute": 34}
